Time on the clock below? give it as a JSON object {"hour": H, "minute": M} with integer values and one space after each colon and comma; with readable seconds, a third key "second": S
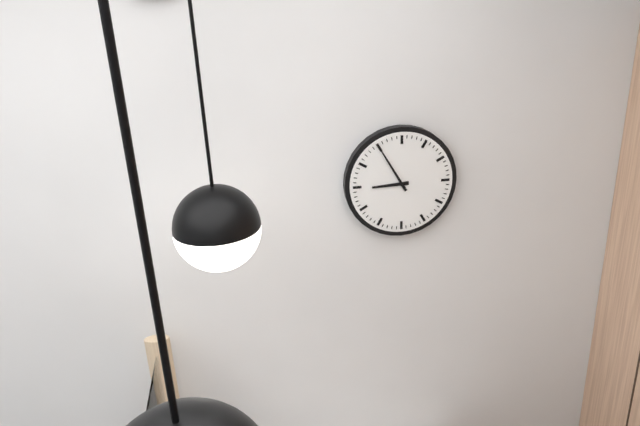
{"hour": 8, "minute": 55}
